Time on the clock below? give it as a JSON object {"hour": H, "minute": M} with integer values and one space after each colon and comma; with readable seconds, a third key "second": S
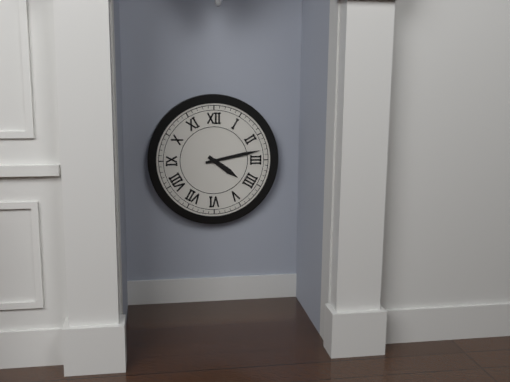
{"hour": 4, "minute": 13}
